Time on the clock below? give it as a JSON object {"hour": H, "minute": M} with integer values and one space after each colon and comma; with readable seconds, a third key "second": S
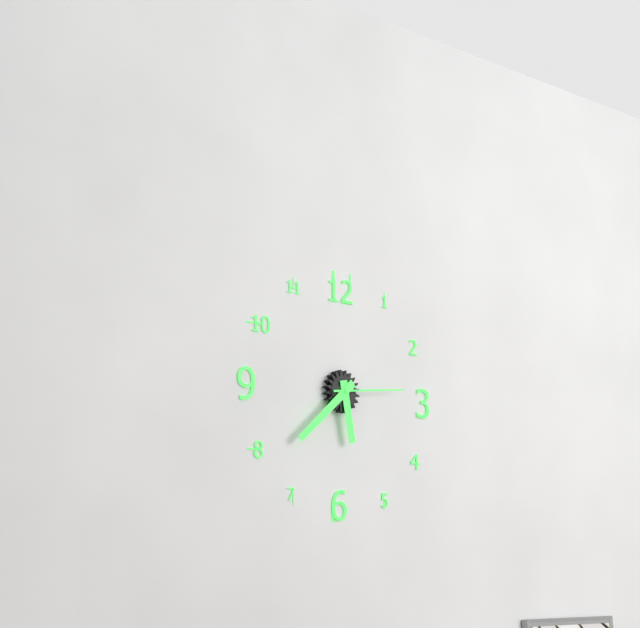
{"hour": 5, "minute": 38, "second": 14}
